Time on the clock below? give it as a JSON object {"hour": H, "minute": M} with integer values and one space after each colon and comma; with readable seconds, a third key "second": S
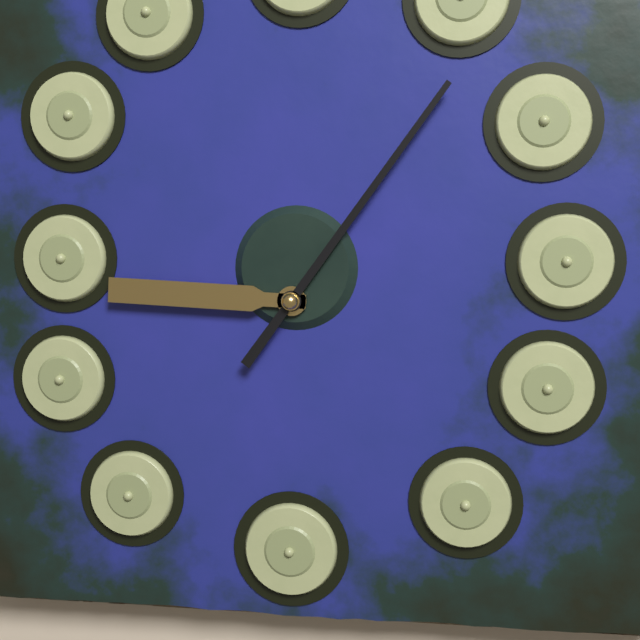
{"hour": 9, "minute": 6}
